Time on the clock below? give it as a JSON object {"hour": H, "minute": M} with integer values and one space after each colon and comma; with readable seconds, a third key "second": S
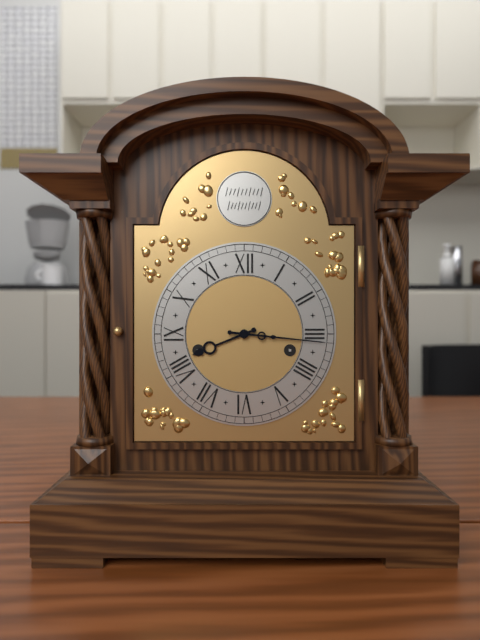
{"hour": 8, "minute": 16}
